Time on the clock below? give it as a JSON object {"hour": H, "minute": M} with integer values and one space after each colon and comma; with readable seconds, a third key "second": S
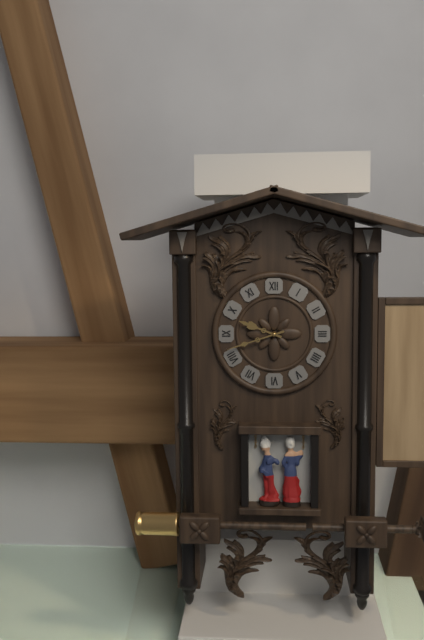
{"hour": 9, "minute": 42}
